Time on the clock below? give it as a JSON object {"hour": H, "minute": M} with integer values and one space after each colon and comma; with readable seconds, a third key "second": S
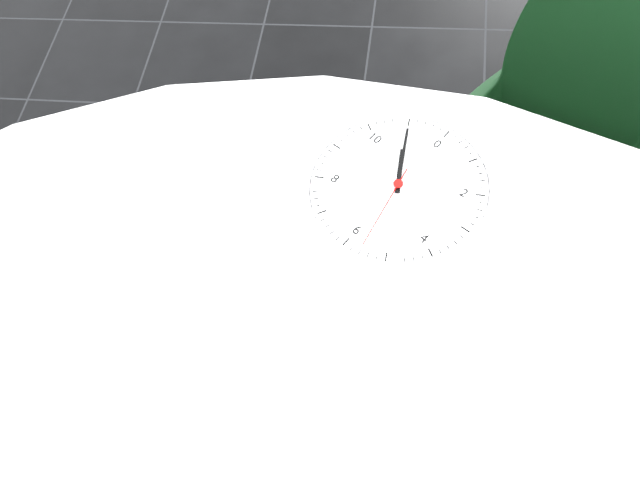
{"hour": 10, "minute": 55, "second": 28}
